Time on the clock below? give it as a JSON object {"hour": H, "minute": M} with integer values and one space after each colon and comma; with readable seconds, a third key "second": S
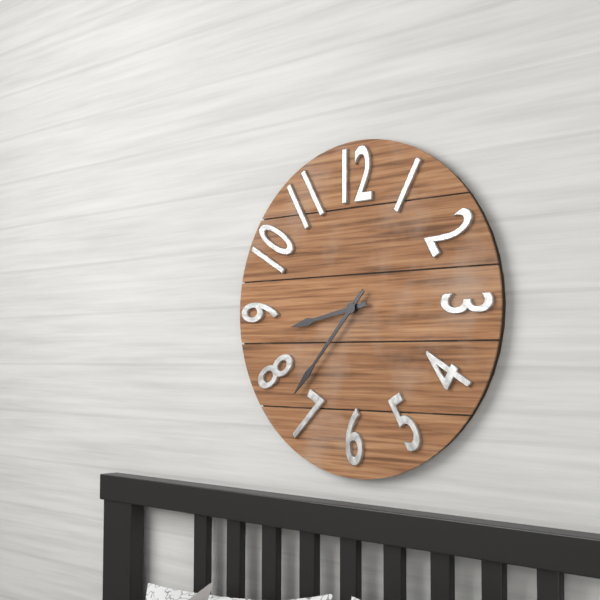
{"hour": 8, "minute": 37}
